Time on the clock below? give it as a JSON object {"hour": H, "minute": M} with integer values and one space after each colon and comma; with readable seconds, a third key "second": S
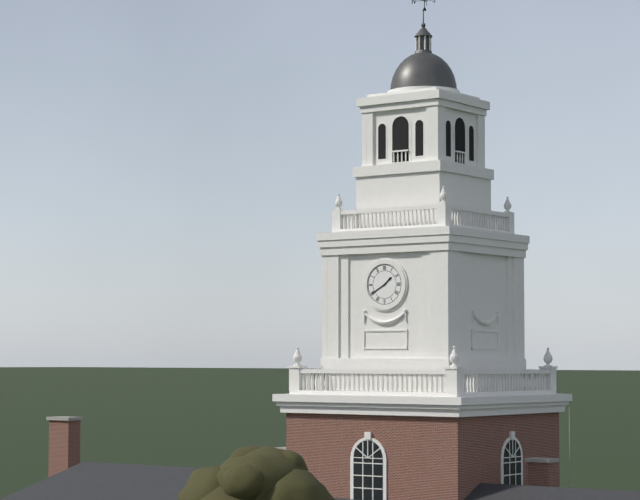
{"hour": 1, "minute": 40}
